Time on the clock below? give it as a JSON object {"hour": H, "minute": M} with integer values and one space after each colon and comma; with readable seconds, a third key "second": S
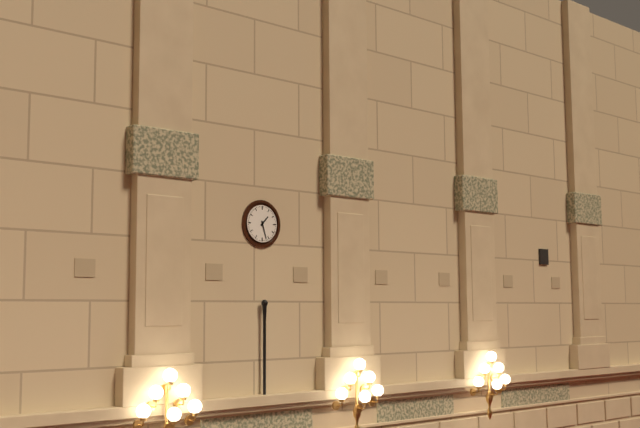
{"hour": 1, "minute": 27}
